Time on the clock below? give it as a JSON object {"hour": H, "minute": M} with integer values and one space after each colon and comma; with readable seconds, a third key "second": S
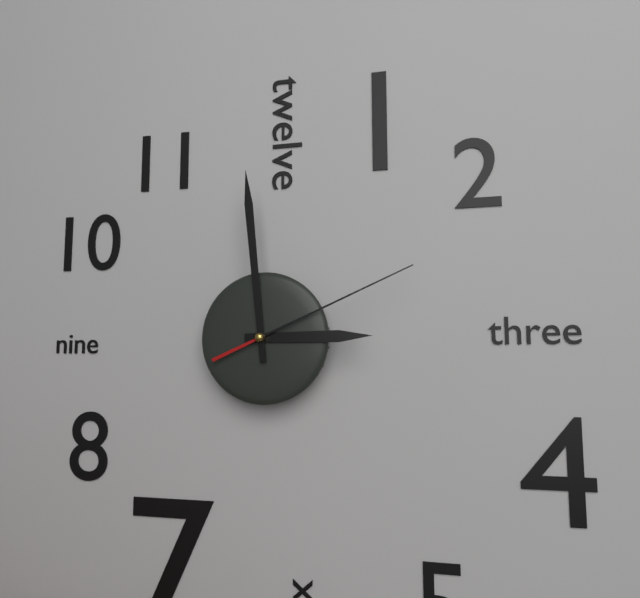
{"hour": 2, "minute": 59, "second": 11}
